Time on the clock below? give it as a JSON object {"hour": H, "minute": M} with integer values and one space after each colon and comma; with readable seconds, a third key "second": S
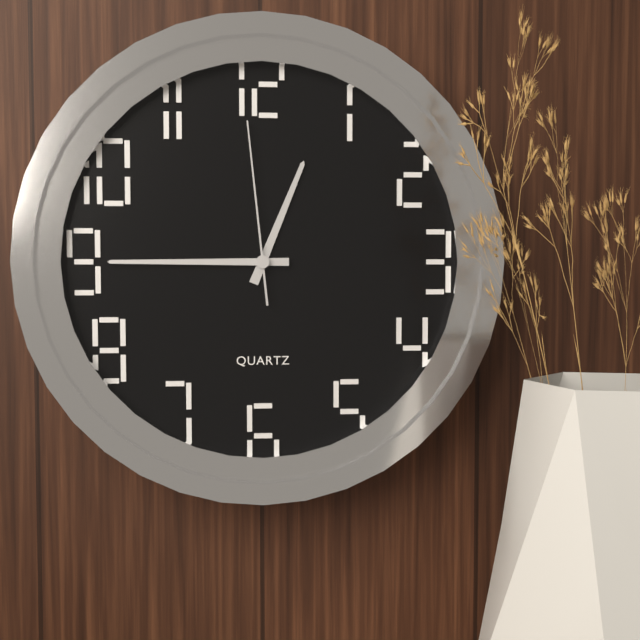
{"hour": 12, "minute": 45, "second": 59}
